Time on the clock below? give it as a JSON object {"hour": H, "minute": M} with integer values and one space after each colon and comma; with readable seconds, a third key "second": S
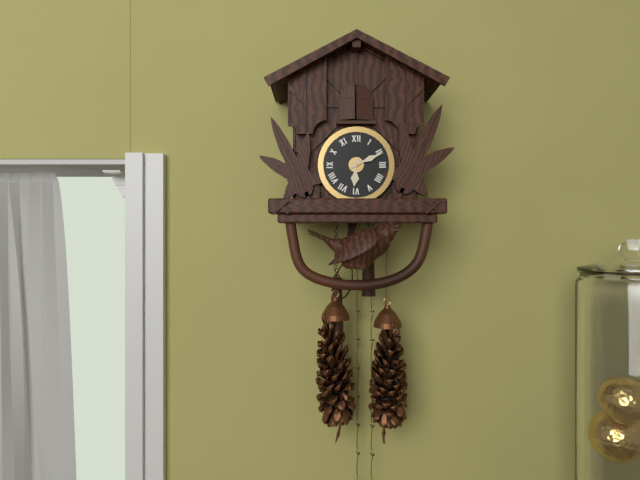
{"hour": 6, "minute": 11}
